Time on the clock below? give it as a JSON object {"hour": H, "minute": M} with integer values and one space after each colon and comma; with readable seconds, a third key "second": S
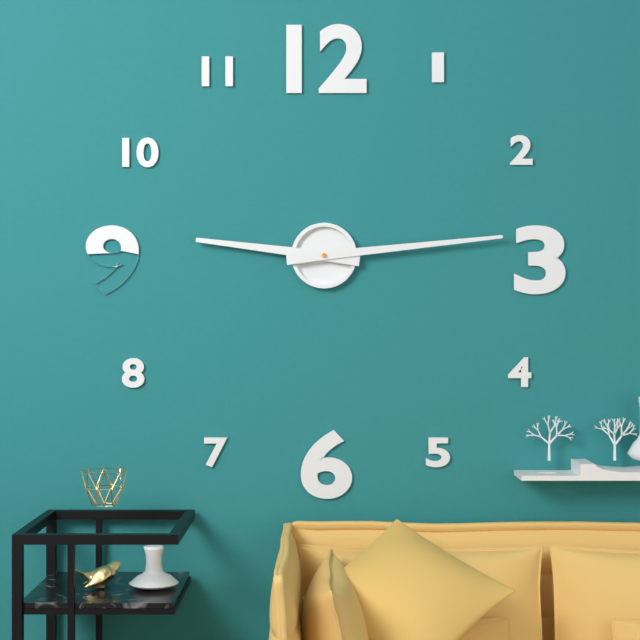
{"hour": 9, "minute": 14}
